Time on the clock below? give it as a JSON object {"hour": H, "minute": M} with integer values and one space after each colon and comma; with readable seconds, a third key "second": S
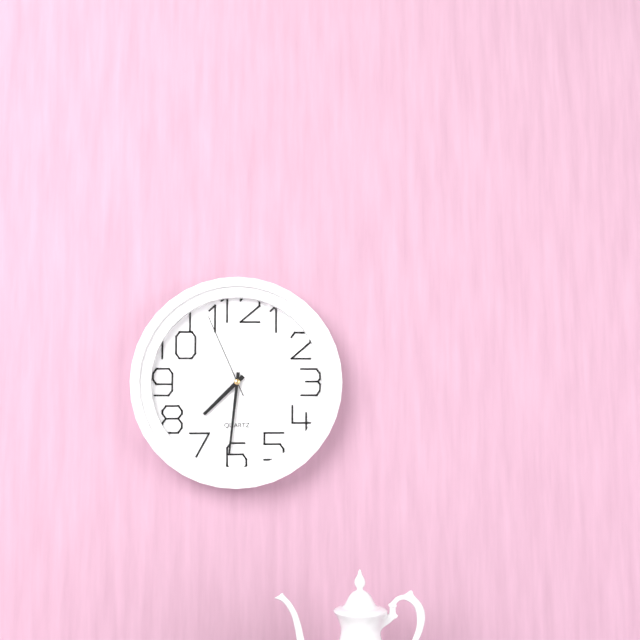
{"hour": 7, "minute": 31, "second": 56}
